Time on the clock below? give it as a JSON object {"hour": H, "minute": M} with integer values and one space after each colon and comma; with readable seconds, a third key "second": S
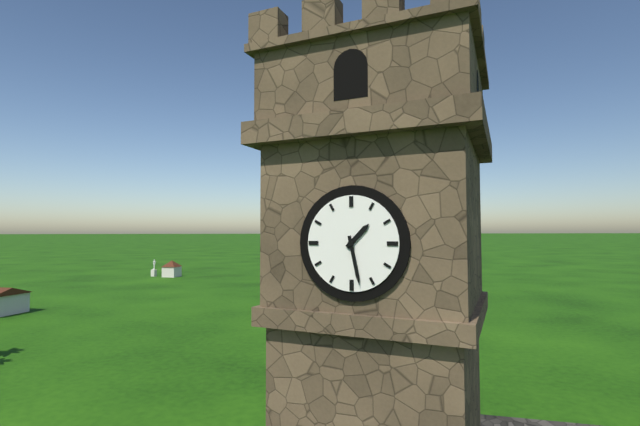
{"hour": 1, "minute": 28}
